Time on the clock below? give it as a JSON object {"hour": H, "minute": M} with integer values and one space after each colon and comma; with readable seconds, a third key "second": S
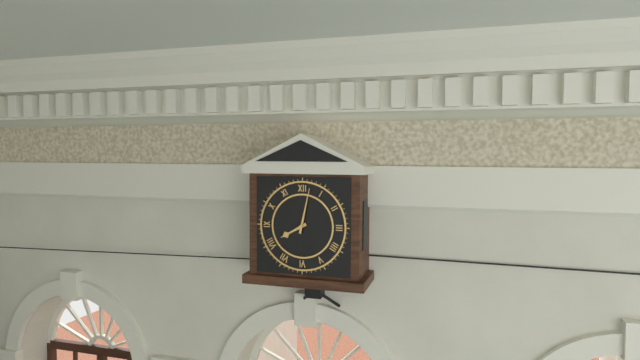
{"hour": 8, "minute": 2}
